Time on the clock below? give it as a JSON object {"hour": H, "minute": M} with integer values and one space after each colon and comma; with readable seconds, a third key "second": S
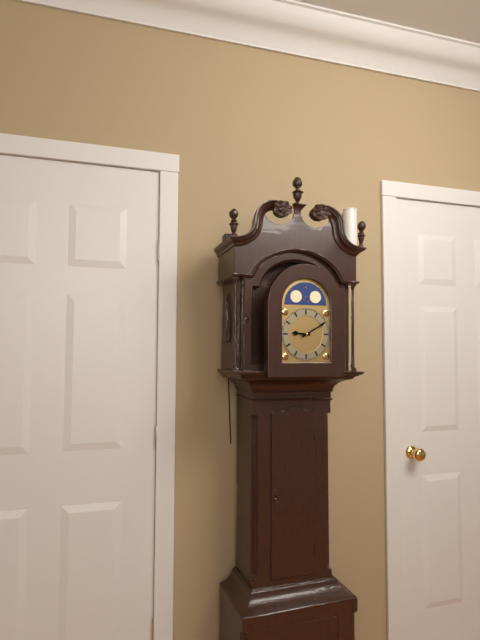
{"hour": 9, "minute": 10}
